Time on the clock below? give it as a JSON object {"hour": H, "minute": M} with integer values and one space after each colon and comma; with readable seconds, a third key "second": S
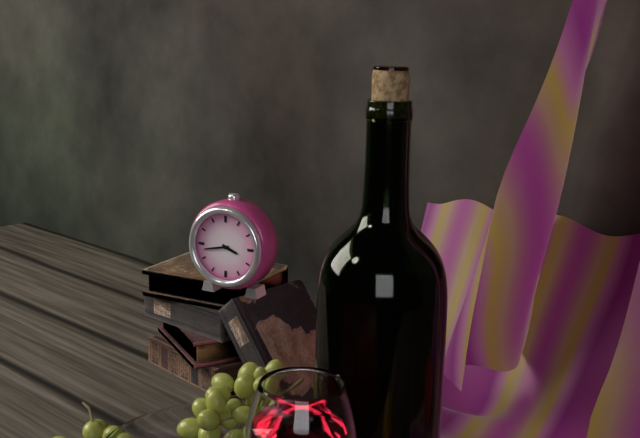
{"hour": 3, "minute": 43}
